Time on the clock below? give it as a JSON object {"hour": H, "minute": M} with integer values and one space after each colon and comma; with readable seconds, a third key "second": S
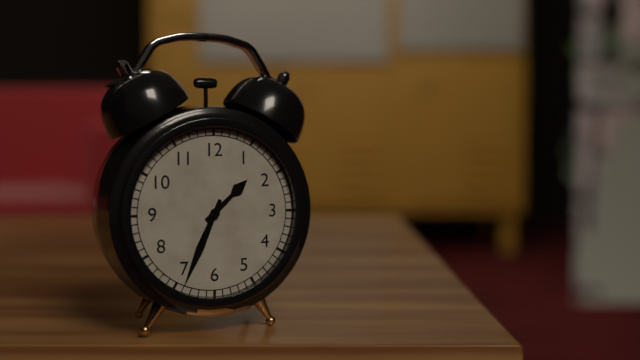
{"hour": 1, "minute": 34}
